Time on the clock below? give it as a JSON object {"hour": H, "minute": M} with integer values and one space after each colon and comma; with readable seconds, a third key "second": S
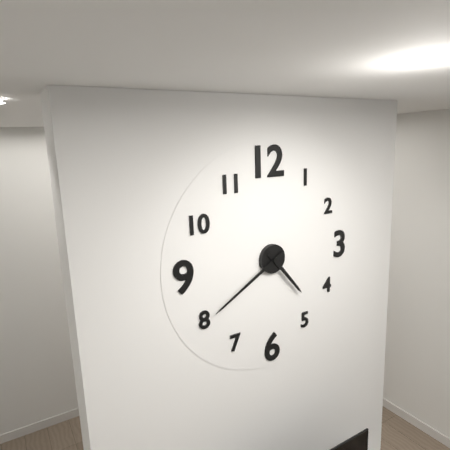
{"hour": 4, "minute": 40}
